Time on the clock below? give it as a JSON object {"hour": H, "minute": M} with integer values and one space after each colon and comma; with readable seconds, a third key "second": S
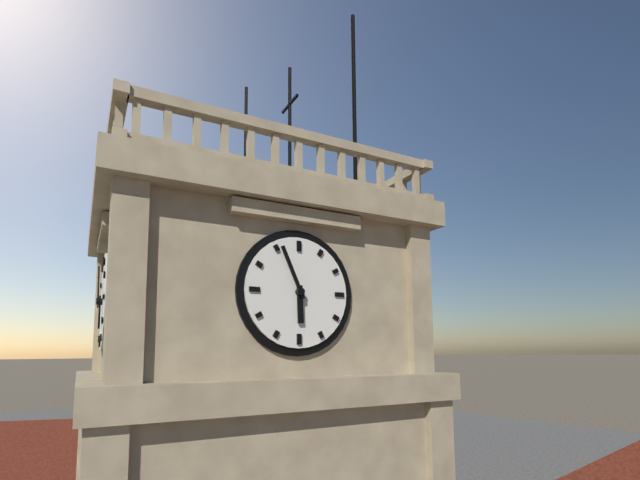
{"hour": 5, "minute": 56}
